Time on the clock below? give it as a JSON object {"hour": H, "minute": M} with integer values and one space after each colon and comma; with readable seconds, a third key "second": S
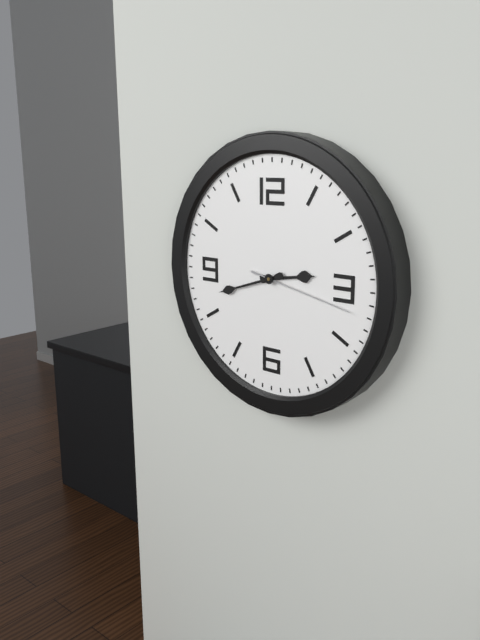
{"hour": 2, "minute": 42, "second": 17}
